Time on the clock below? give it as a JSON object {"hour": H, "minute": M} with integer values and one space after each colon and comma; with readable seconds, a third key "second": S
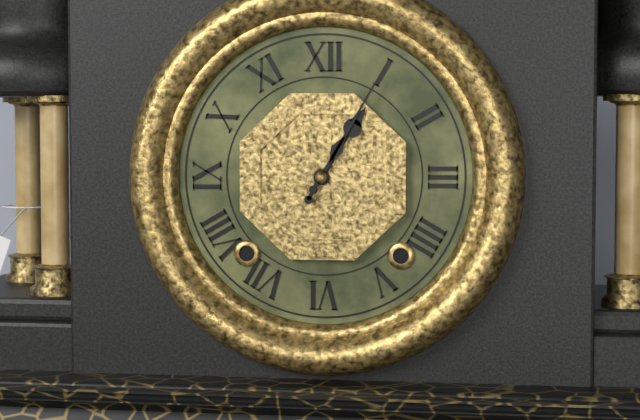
{"hour": 1, "minute": 5}
